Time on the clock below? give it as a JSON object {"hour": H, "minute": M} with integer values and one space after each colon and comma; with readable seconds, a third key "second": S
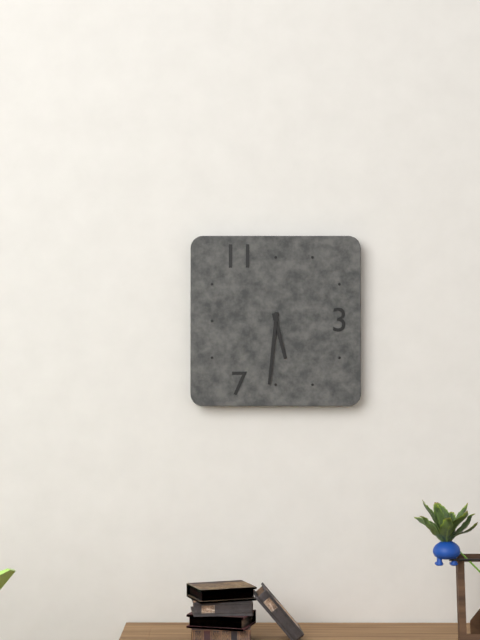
{"hour": 5, "minute": 31}
